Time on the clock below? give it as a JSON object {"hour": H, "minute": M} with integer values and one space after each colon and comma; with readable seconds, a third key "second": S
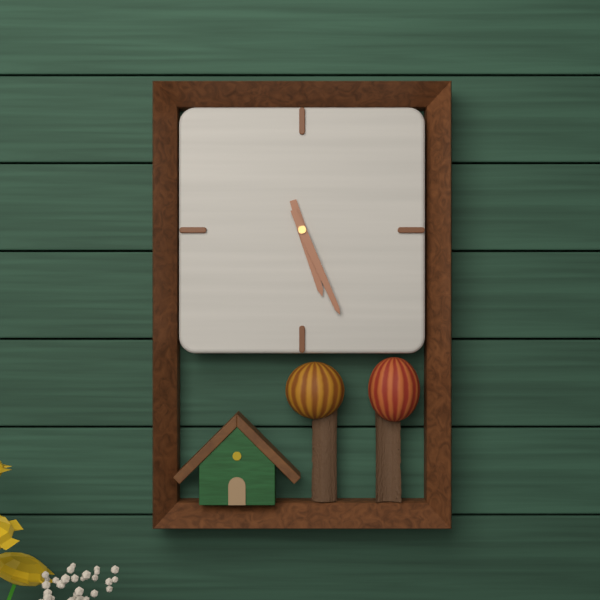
{"hour": 5, "minute": 26}
